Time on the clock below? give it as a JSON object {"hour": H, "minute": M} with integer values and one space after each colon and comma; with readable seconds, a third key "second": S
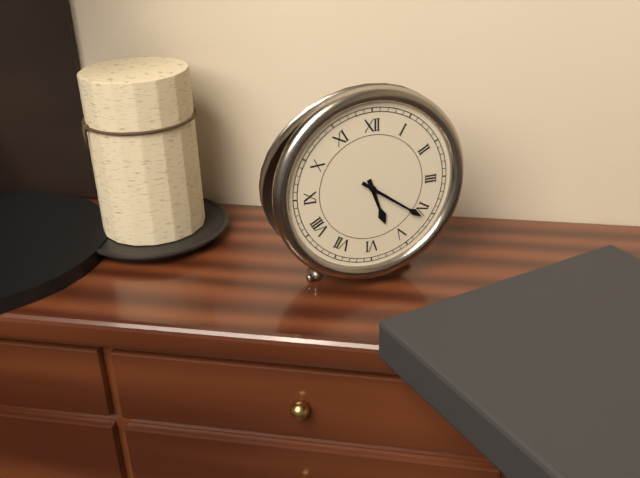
{"hour": 5, "minute": 21}
